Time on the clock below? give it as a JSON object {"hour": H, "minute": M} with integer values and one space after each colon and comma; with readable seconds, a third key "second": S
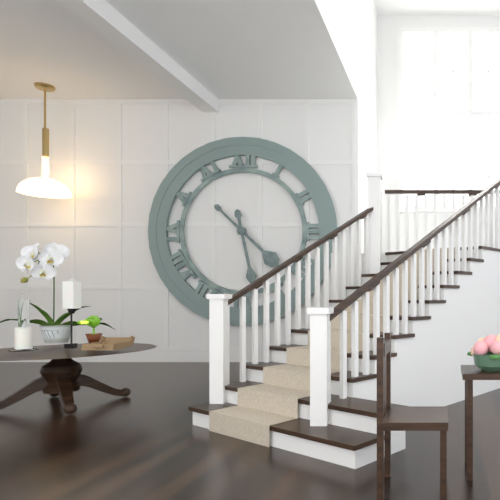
{"hour": 4, "minute": 28}
